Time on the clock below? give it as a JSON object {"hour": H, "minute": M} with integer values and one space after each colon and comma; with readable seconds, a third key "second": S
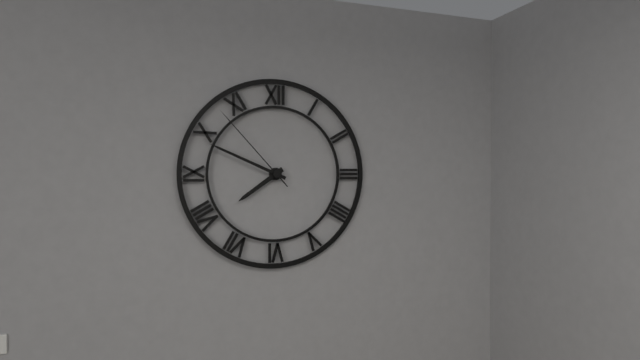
{"hour": 7, "minute": 49, "second": 53}
